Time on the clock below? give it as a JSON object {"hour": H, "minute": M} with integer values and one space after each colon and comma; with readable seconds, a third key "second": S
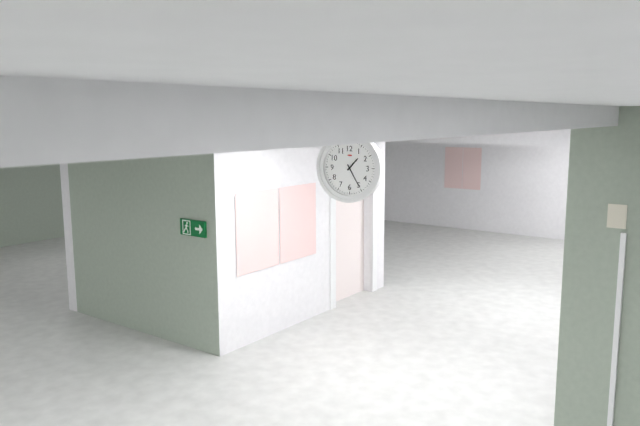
{"hour": 1, "minute": 25}
